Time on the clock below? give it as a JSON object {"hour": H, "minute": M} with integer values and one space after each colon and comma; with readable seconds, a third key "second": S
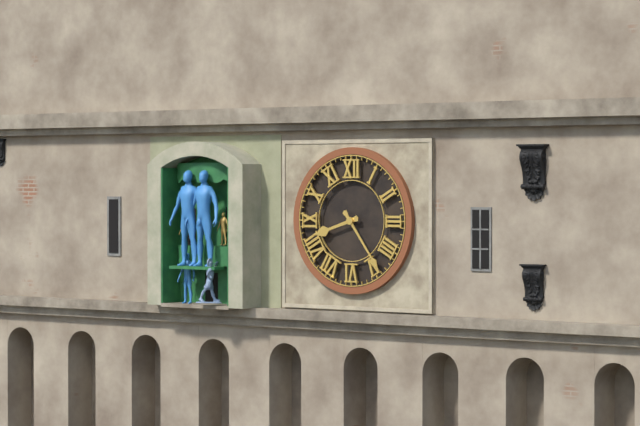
{"hour": 8, "minute": 24}
